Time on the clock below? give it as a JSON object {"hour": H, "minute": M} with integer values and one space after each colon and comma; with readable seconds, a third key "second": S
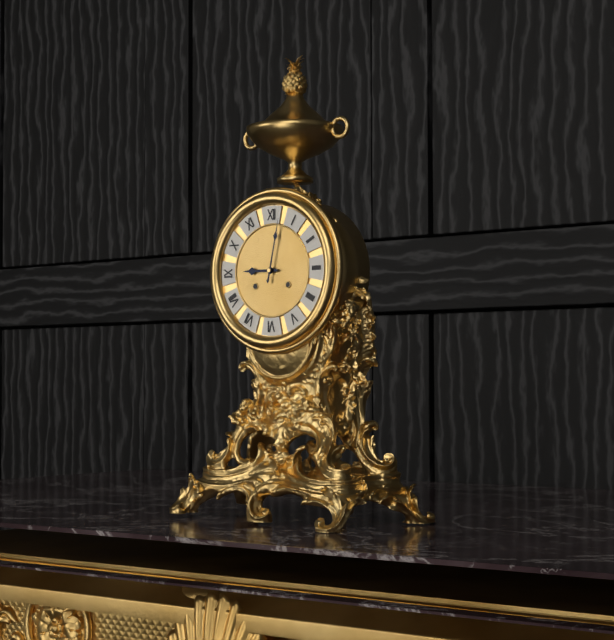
{"hour": 9, "minute": 2}
